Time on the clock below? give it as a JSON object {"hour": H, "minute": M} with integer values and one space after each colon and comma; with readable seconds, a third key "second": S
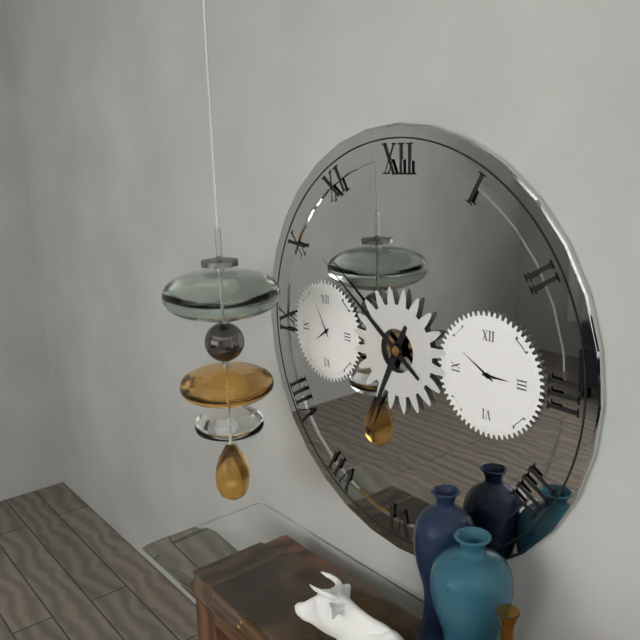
{"hour": 6, "minute": 51}
